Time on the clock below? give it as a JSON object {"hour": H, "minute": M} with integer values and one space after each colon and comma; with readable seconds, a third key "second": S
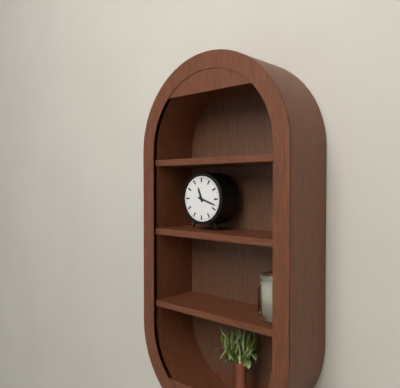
{"hour": 11, "minute": 18}
